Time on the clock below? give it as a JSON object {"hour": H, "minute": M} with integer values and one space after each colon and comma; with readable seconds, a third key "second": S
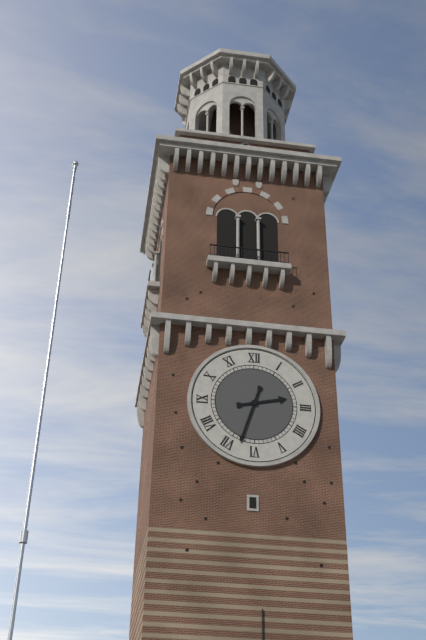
{"hour": 2, "minute": 33}
